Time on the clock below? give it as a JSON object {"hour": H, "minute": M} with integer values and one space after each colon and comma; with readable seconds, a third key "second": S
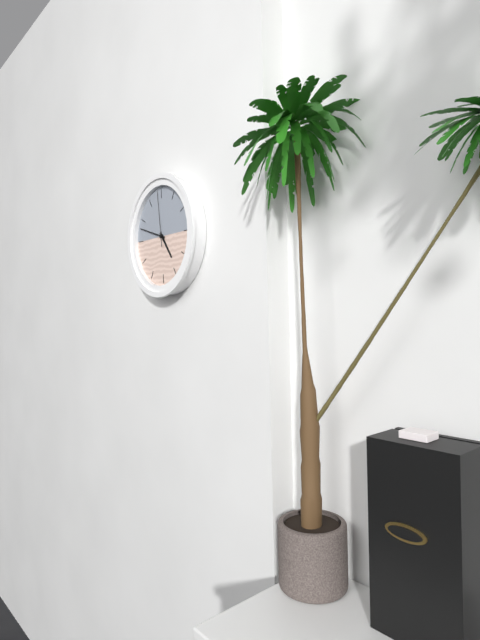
{"hour": 4, "minute": 48, "second": 59}
